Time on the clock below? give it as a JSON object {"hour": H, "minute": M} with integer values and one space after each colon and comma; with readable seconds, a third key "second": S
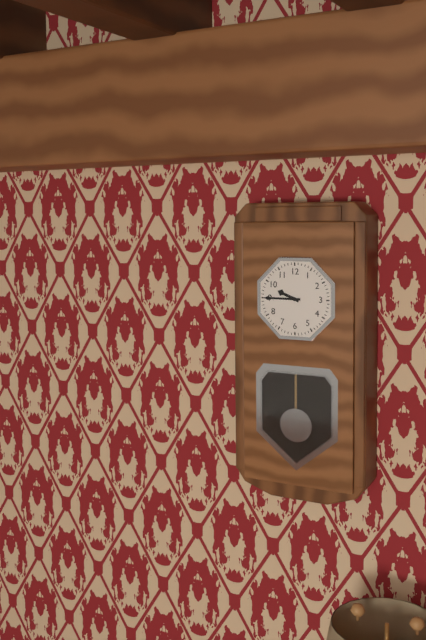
{"hour": 9, "minute": 45}
